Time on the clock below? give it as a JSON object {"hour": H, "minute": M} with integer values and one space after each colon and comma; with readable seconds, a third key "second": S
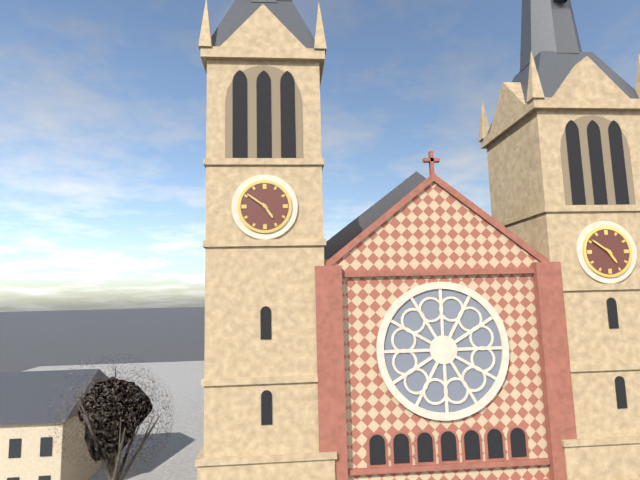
{"hour": 4, "minute": 51}
